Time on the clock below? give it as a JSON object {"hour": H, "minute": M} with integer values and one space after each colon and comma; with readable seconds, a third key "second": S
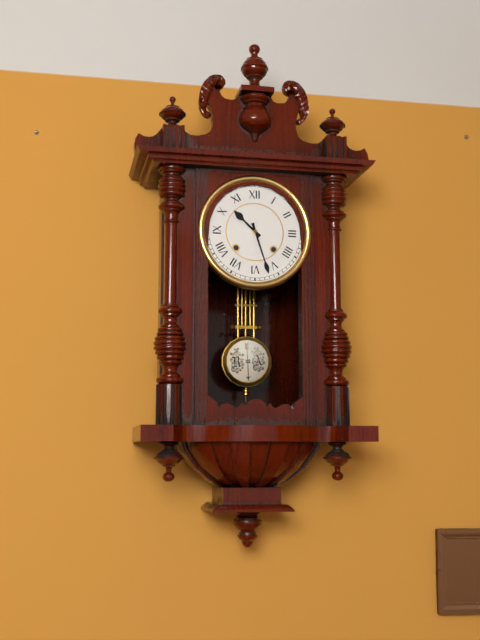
{"hour": 10, "minute": 27}
